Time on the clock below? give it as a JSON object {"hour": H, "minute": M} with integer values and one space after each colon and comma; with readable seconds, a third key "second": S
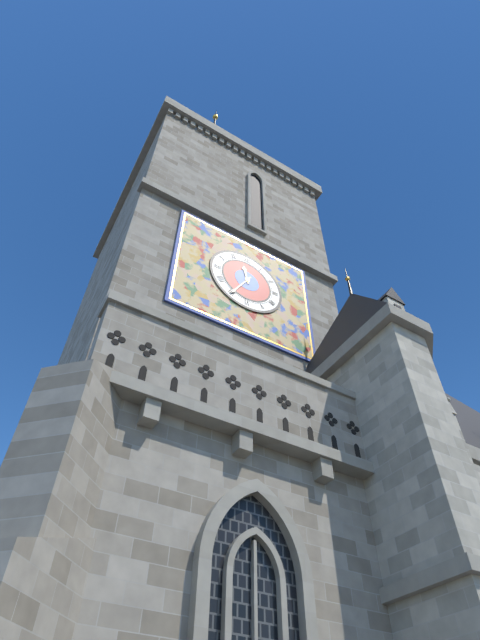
{"hour": 11, "minute": 35}
